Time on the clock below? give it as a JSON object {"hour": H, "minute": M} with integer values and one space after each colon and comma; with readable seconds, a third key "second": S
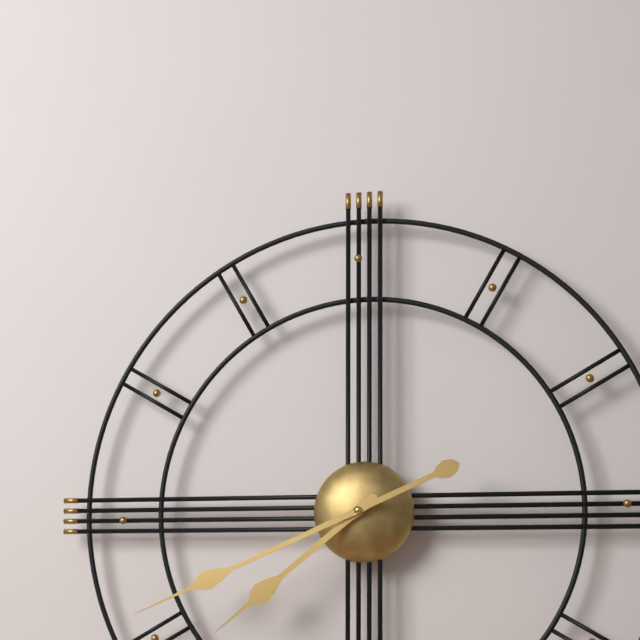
{"hour": 7, "minute": 41}
